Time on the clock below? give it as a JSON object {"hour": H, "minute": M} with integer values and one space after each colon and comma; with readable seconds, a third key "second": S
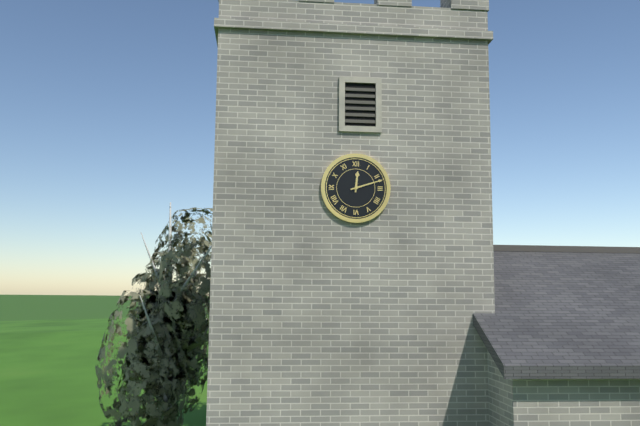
{"hour": 12, "minute": 12}
